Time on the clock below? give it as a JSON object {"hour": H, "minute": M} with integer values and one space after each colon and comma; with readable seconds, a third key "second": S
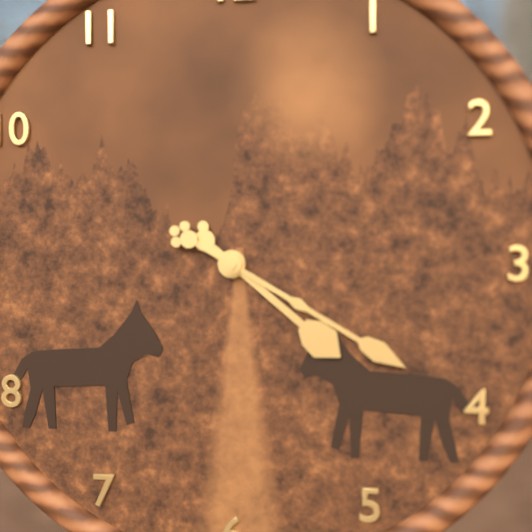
{"hour": 4, "minute": 20}
